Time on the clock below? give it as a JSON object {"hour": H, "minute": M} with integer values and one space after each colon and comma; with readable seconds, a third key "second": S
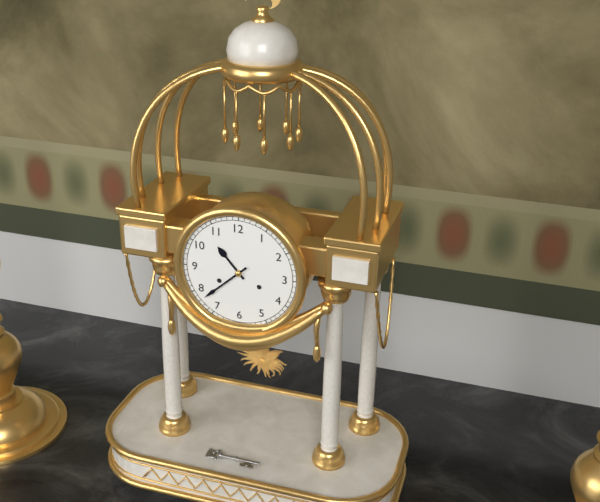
{"hour": 10, "minute": 38}
